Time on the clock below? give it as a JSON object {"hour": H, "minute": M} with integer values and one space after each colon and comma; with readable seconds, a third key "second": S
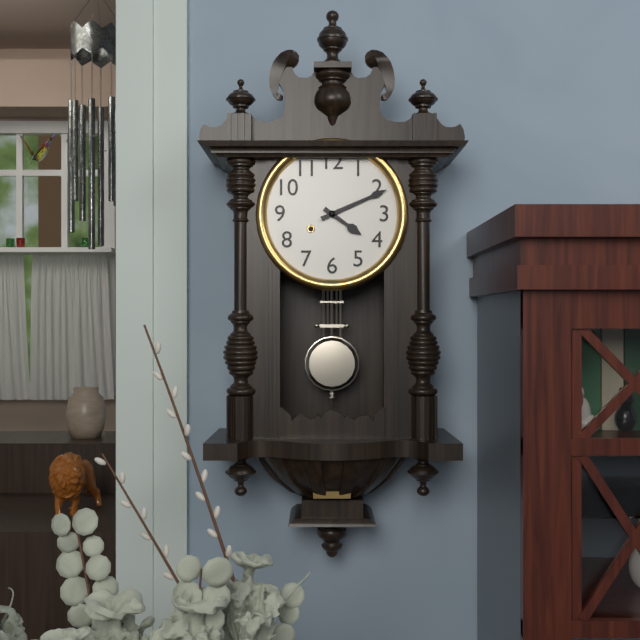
{"hour": 4, "minute": 11}
